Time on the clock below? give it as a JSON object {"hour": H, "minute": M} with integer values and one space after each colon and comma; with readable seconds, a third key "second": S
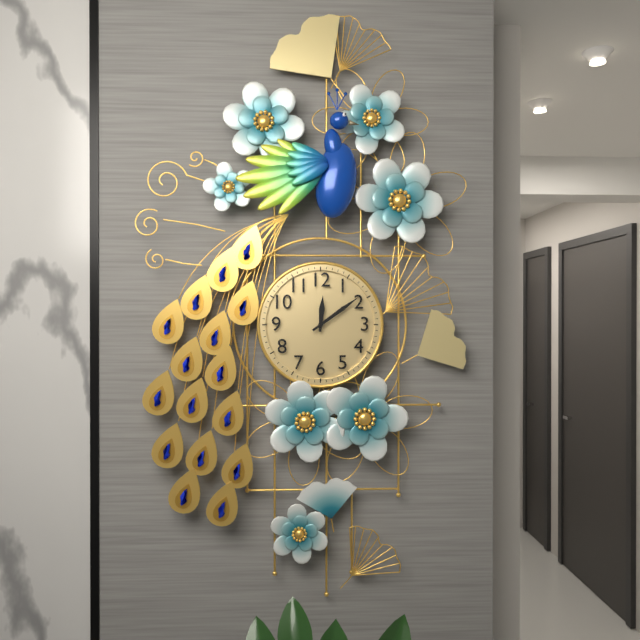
{"hour": 12, "minute": 9}
